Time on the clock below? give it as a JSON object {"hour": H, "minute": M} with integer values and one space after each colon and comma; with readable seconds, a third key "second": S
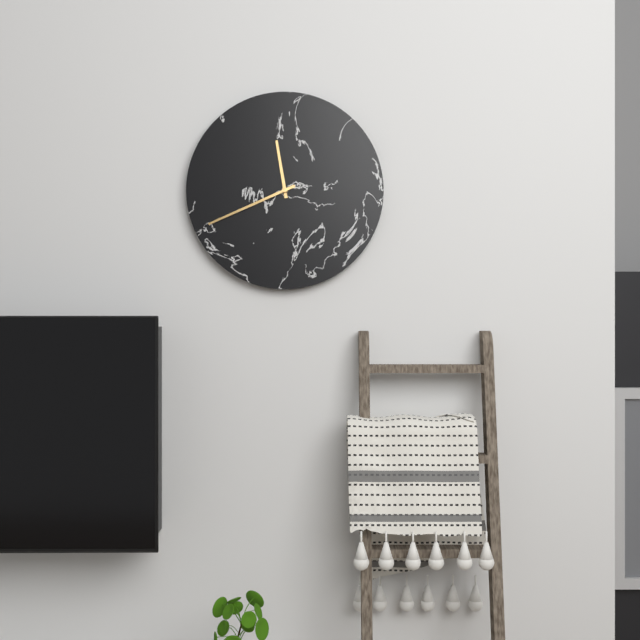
{"hour": 11, "minute": 41}
